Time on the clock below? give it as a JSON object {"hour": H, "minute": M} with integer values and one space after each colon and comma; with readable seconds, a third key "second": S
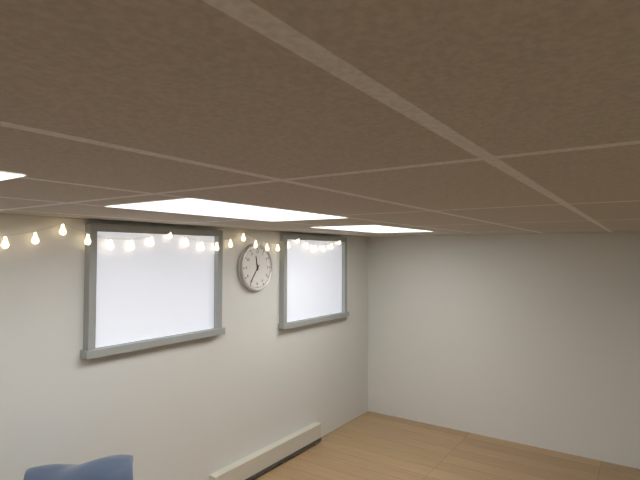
{"hour": 11, "minute": 36}
